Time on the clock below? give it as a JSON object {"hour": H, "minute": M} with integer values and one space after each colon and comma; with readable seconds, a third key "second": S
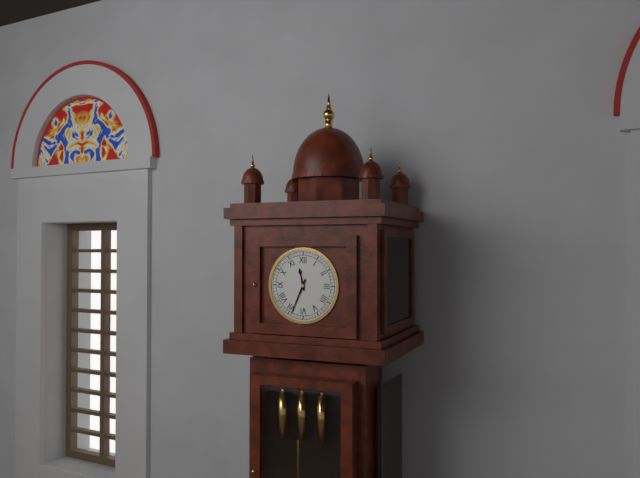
{"hour": 11, "minute": 34}
